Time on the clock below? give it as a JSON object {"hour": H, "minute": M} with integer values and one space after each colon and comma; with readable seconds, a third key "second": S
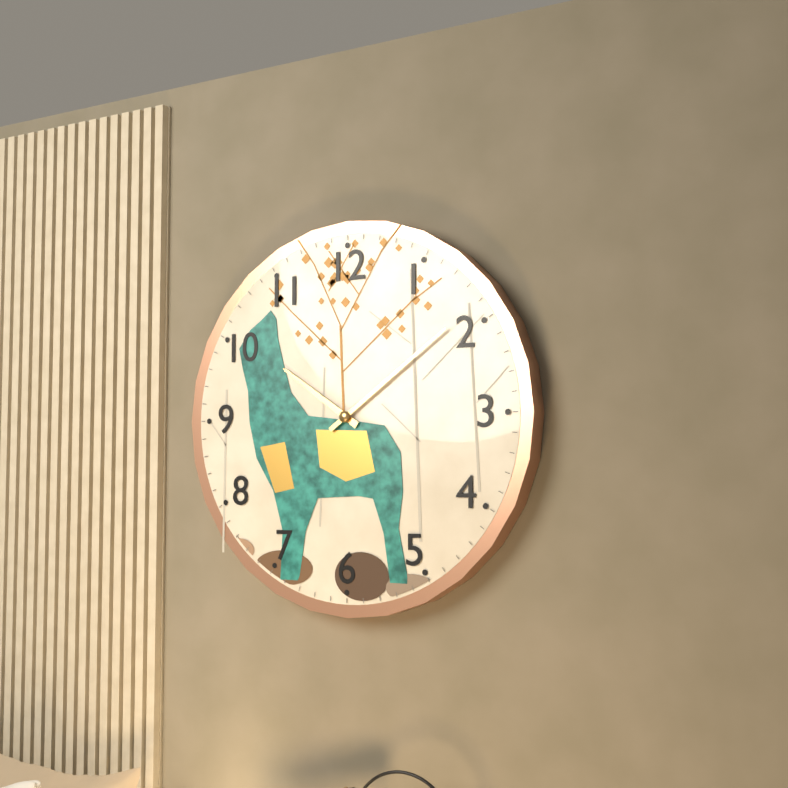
{"hour": 10, "minute": 9}
